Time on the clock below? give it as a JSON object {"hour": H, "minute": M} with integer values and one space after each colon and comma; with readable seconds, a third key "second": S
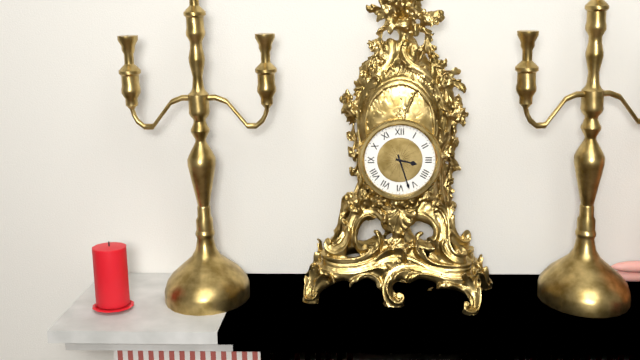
{"hour": 3, "minute": 27}
